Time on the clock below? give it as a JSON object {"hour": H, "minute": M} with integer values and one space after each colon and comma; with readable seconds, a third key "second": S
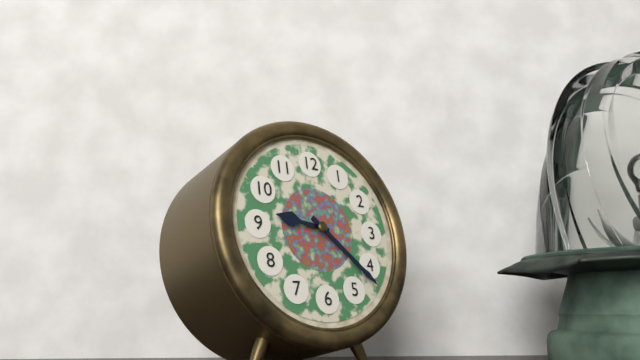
{"hour": 9, "minute": 22}
